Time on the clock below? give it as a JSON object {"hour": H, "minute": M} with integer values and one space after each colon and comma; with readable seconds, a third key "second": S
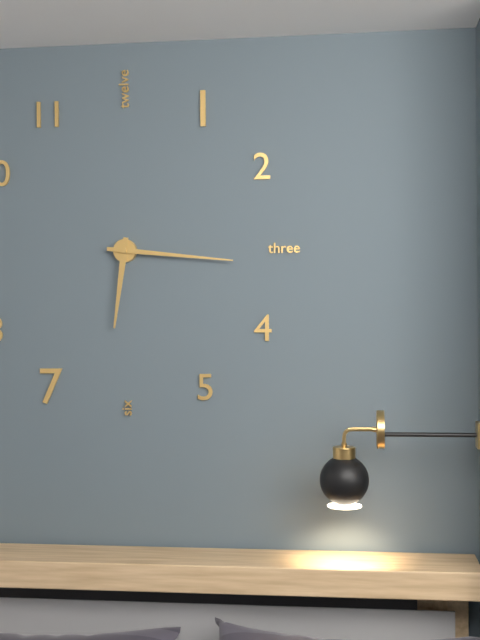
{"hour": 6, "minute": 16}
